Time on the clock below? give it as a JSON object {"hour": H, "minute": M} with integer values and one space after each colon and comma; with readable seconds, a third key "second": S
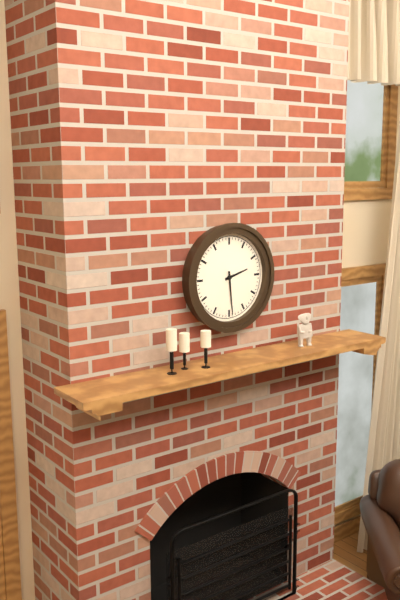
{"hour": 2, "minute": 29}
